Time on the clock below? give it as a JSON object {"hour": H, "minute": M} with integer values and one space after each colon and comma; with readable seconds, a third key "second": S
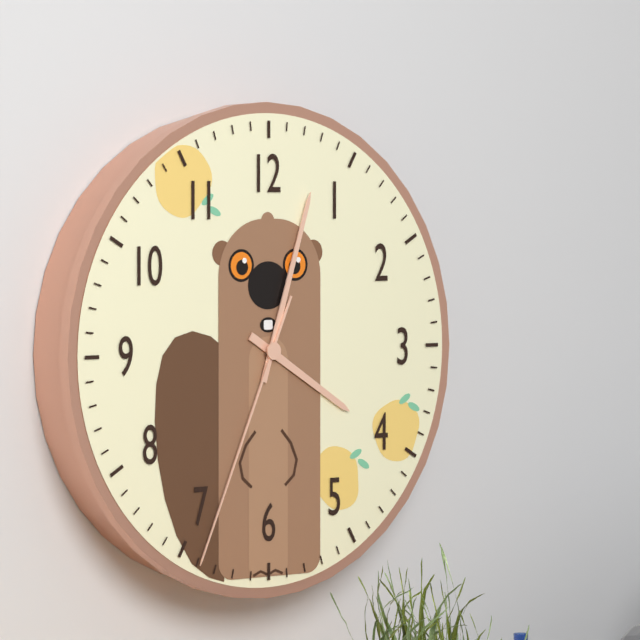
{"hour": 4, "minute": 3, "second": 34}
